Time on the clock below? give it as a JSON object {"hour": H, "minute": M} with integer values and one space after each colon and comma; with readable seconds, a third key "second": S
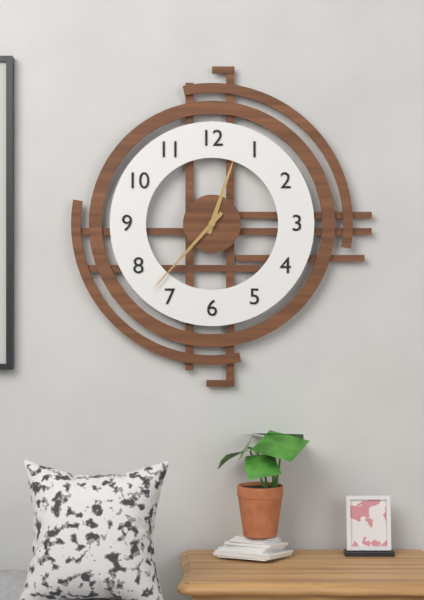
{"hour": 12, "minute": 37}
